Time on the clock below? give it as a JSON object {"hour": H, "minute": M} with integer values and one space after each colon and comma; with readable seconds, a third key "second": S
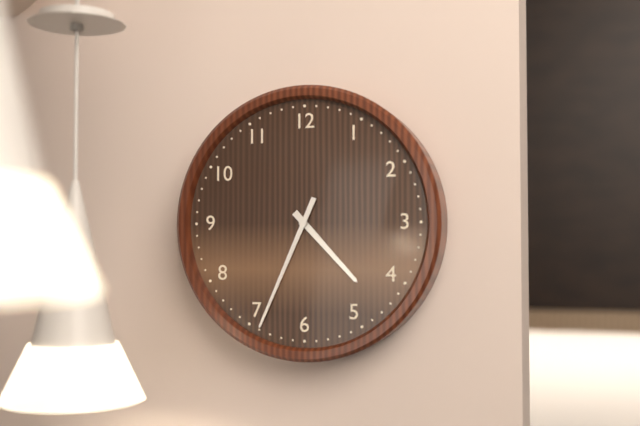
{"hour": 4, "minute": 34}
